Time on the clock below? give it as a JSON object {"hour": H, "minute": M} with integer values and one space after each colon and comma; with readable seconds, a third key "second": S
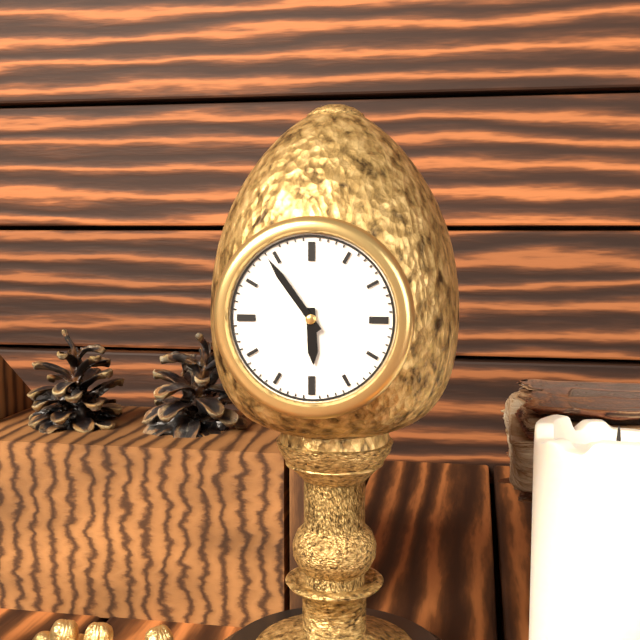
{"hour": 5, "minute": 54}
